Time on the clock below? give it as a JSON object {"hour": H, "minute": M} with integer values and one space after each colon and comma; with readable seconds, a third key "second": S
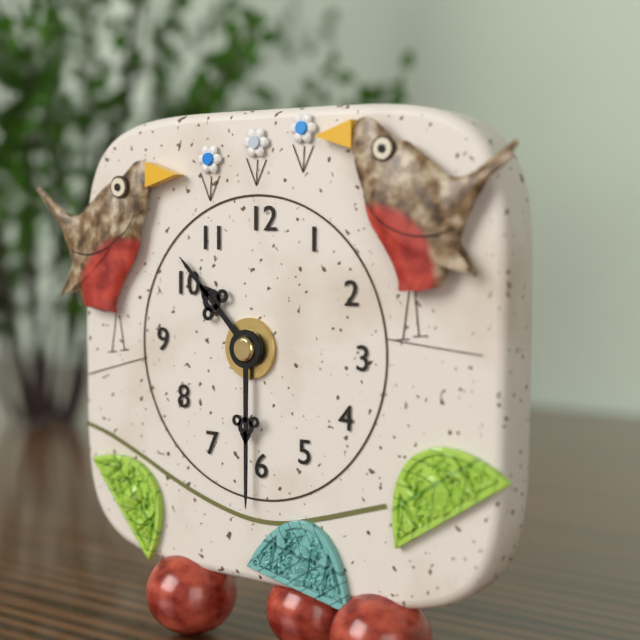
{"hour": 10, "minute": 30}
